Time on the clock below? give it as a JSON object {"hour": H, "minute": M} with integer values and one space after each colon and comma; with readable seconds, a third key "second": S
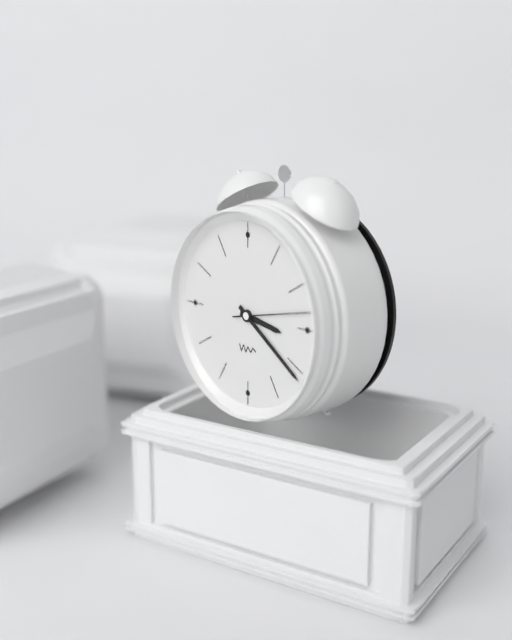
{"hour": 3, "minute": 21, "second": 13}
